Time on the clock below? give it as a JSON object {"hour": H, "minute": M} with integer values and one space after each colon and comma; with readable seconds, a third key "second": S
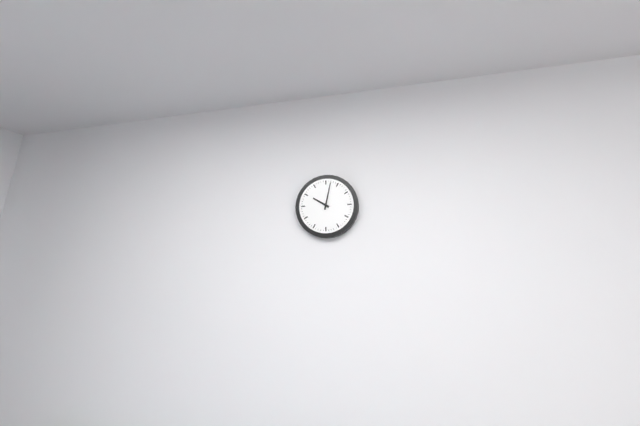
{"hour": 10, "minute": 2}
